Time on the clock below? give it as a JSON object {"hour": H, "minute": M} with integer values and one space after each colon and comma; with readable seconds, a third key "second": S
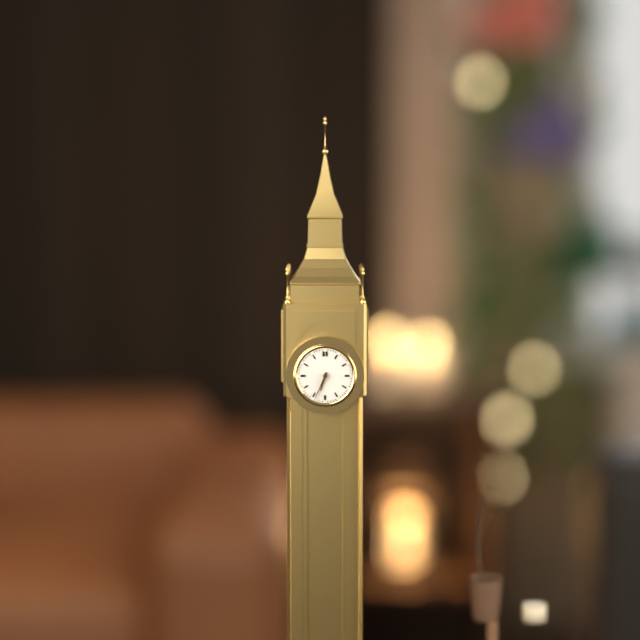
{"hour": 6, "minute": 34}
